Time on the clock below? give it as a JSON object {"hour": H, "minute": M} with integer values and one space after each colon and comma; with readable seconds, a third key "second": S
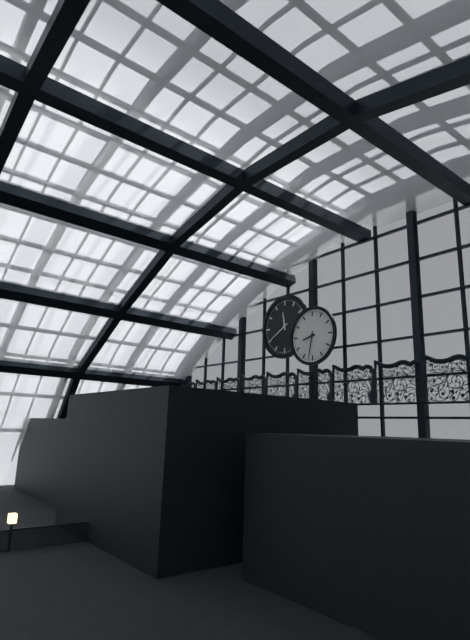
{"hour": 8, "minute": 32}
